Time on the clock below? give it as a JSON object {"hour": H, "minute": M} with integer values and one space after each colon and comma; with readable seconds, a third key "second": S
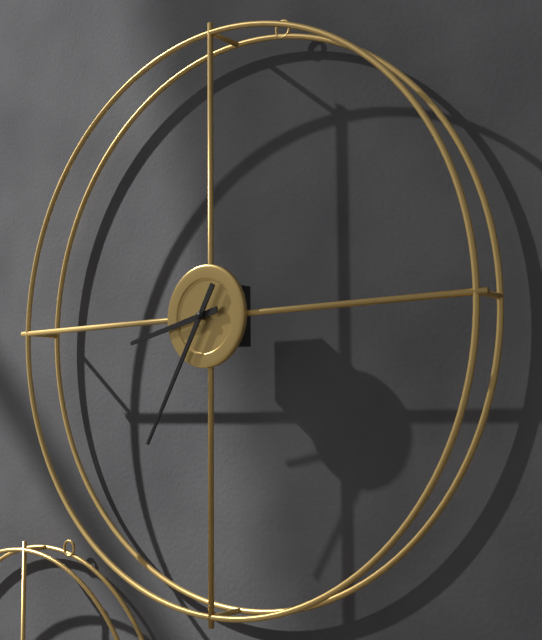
{"hour": 8, "minute": 35}
